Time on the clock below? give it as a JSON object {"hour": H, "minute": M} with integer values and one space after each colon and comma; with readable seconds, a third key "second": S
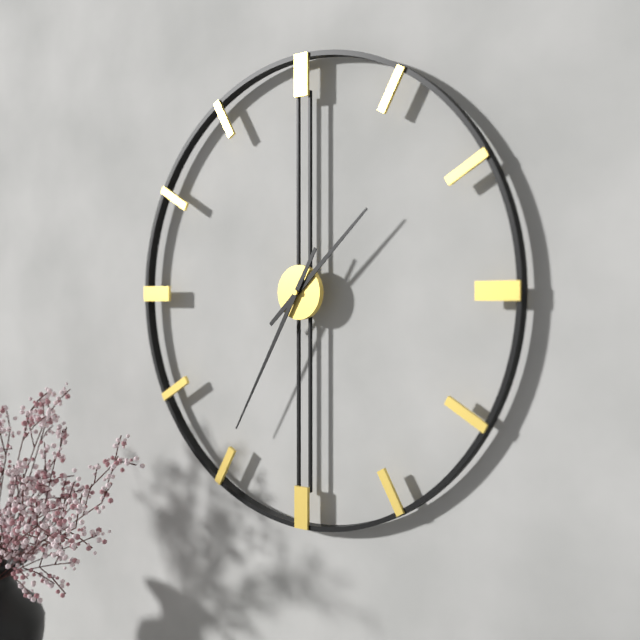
{"hour": 1, "minute": 35}
